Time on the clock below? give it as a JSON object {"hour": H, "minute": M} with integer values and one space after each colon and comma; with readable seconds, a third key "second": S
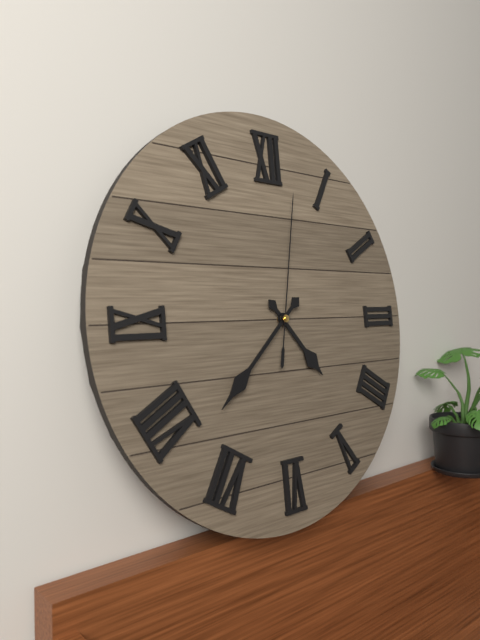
{"hour": 4, "minute": 38, "second": 2}
